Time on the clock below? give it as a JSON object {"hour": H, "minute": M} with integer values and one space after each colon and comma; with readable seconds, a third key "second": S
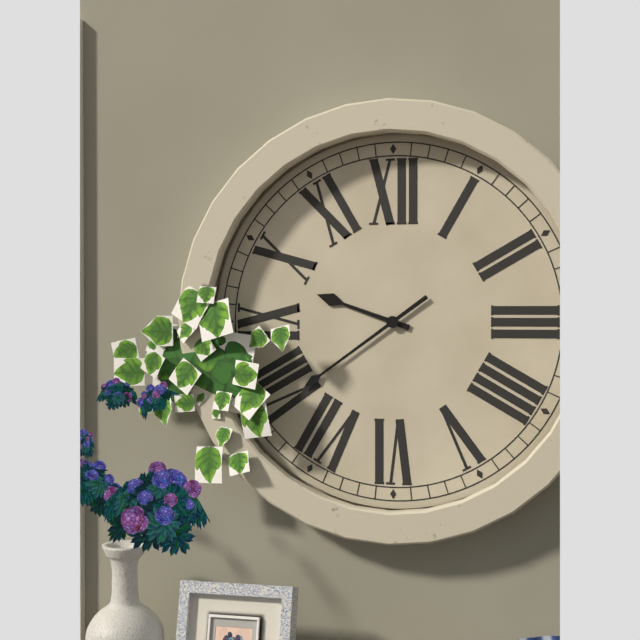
{"hour": 9, "minute": 39}
